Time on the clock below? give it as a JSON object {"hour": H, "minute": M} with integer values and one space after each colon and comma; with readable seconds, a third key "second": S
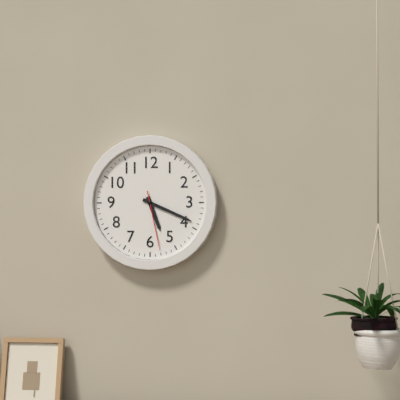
{"hour": 5, "minute": 19, "second": 28}
